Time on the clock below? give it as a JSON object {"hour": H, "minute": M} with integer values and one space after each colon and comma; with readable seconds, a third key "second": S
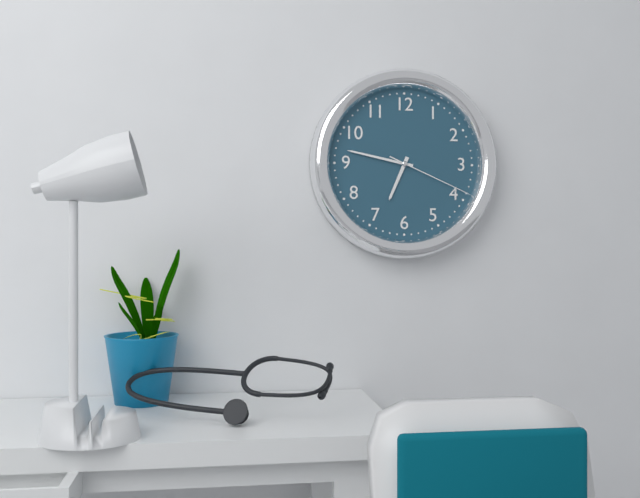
{"hour": 6, "minute": 47, "second": 19}
